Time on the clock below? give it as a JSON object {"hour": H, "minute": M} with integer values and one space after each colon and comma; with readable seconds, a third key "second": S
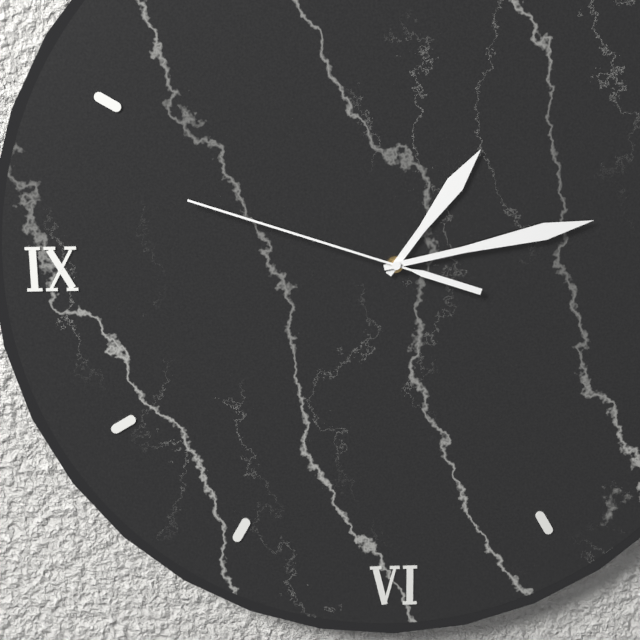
{"hour": 1, "minute": 13, "second": 48}
